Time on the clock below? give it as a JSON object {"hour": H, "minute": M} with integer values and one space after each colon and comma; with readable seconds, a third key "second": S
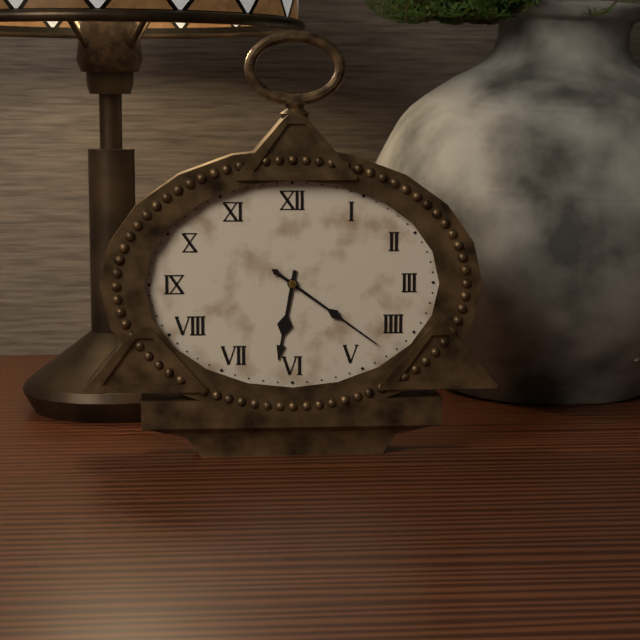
{"hour": 6, "minute": 21}
